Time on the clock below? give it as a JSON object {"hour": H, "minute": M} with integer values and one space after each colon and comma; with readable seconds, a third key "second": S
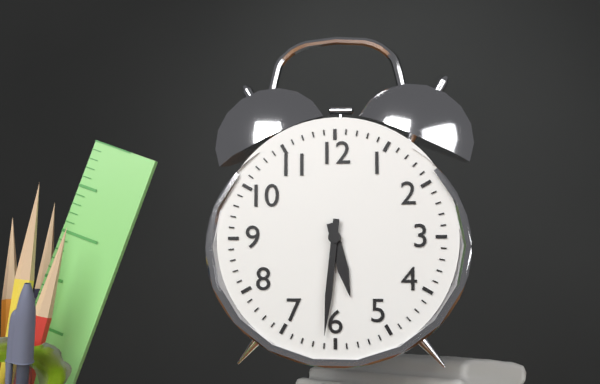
{"hour": 5, "minute": 31}
